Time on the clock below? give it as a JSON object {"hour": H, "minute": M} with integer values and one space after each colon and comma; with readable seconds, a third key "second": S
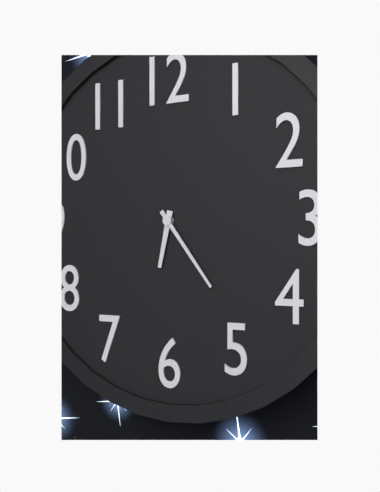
{"hour": 6, "minute": 24}
